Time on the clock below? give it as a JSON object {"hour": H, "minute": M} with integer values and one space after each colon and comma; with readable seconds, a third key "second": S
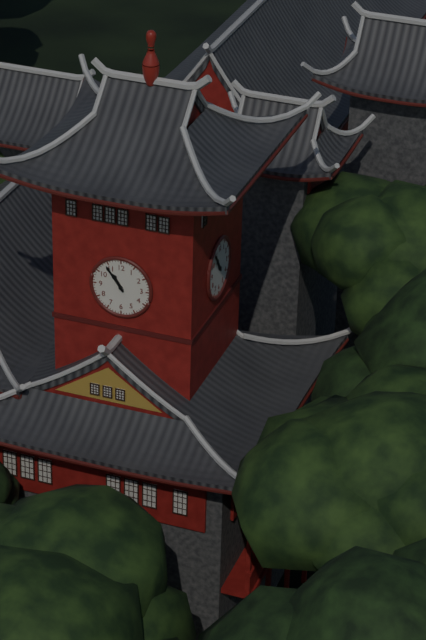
{"hour": 10, "minute": 54}
